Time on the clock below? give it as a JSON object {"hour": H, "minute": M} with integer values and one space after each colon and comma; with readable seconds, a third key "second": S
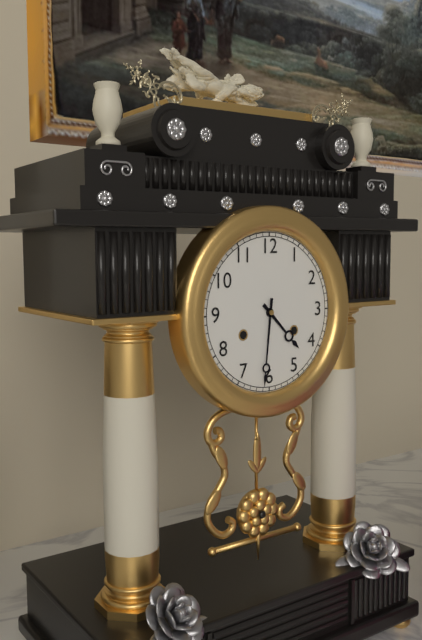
{"hour": 4, "minute": 31}
